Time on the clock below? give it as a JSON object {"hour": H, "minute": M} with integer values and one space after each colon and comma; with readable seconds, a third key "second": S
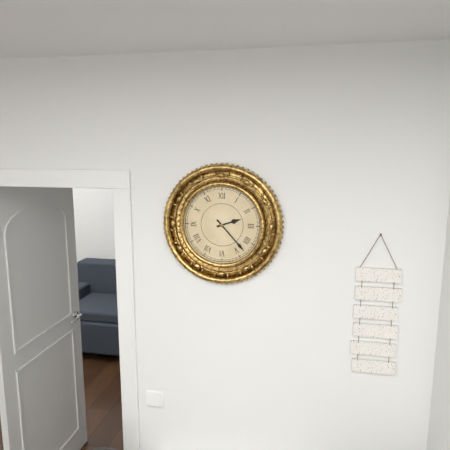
{"hour": 2, "minute": 23}
